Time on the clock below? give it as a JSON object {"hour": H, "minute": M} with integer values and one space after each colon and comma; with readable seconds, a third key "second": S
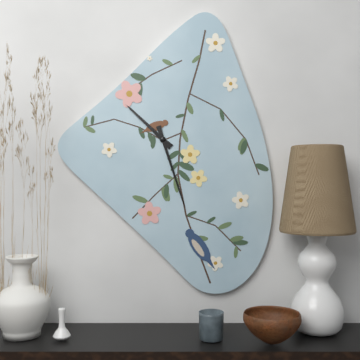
{"hour": 10, "minute": 27}
